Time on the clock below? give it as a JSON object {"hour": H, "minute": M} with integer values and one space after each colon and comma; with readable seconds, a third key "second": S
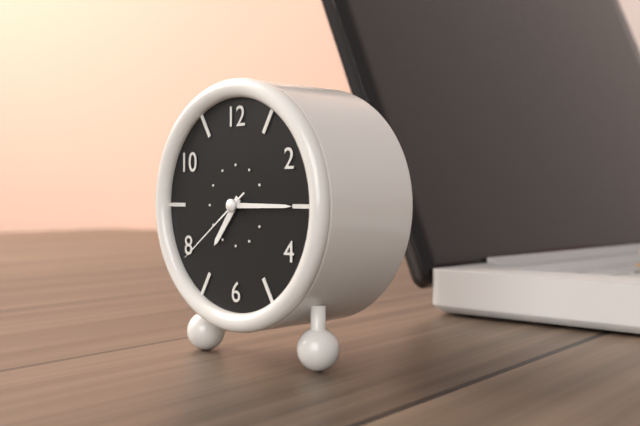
{"hour": 7, "minute": 15, "second": 39}
